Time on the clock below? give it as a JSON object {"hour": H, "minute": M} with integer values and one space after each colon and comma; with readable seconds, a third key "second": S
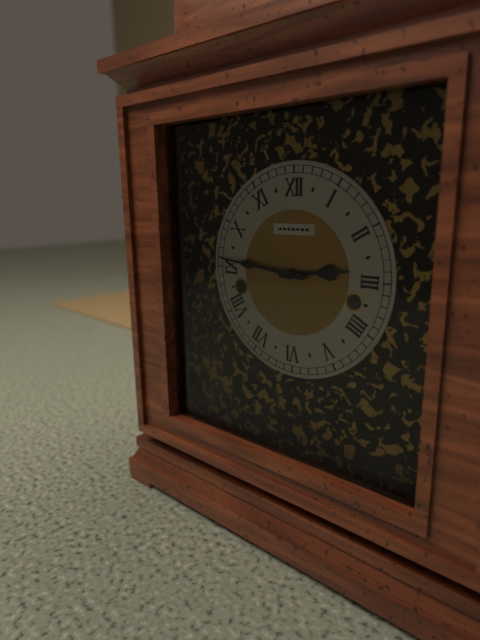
{"hour": 2, "minute": 46}
